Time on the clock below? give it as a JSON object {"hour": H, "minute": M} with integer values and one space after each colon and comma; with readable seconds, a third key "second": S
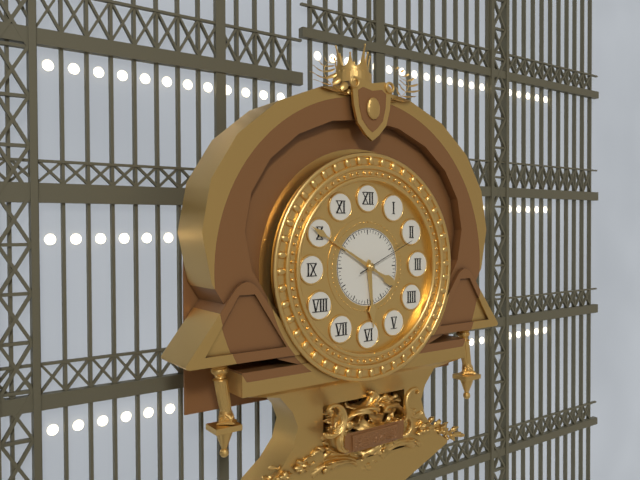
{"hour": 5, "minute": 50, "second": 11}
